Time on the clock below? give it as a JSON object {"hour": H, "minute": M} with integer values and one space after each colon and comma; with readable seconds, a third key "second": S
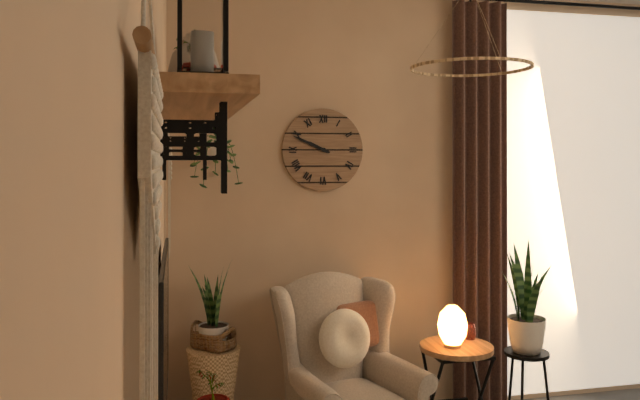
{"hour": 9, "minute": 49}
